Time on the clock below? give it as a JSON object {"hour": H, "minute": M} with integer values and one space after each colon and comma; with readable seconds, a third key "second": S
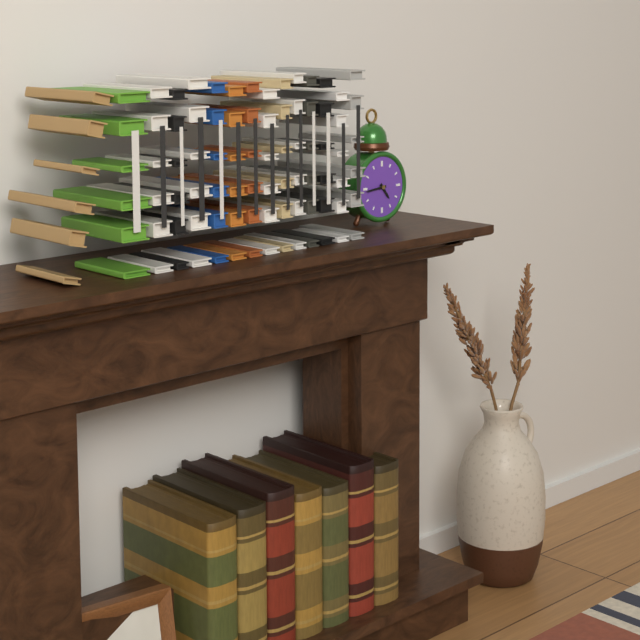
{"hour": 4, "minute": 44}
